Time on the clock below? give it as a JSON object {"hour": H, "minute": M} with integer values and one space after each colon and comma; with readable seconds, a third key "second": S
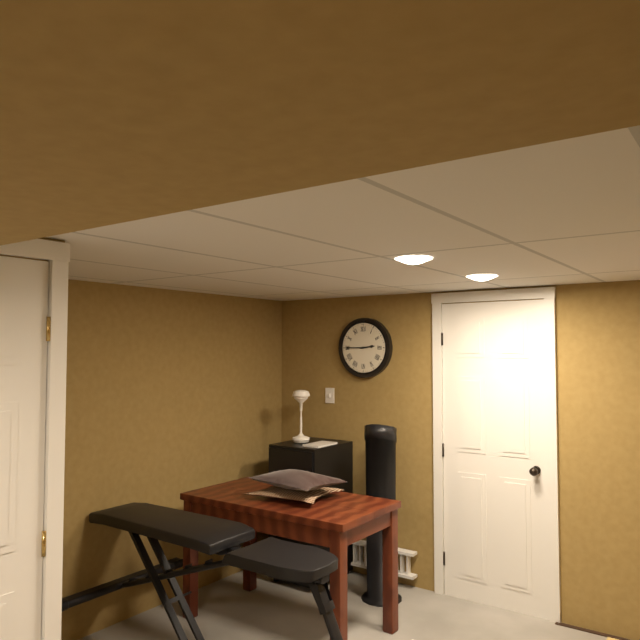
{"hour": 2, "minute": 45}
